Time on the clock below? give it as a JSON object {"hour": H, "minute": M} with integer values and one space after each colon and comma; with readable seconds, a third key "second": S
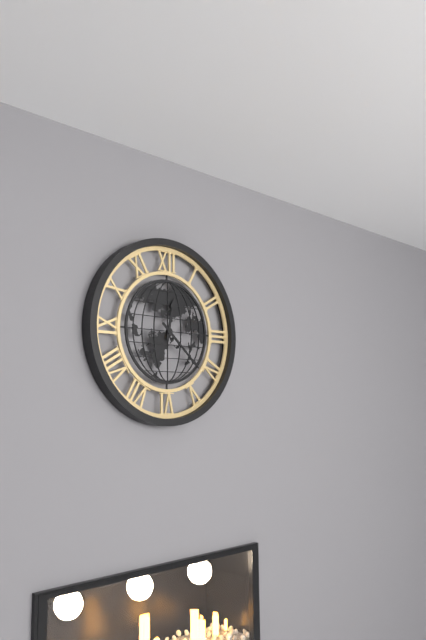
{"hour": 12, "minute": 22}
